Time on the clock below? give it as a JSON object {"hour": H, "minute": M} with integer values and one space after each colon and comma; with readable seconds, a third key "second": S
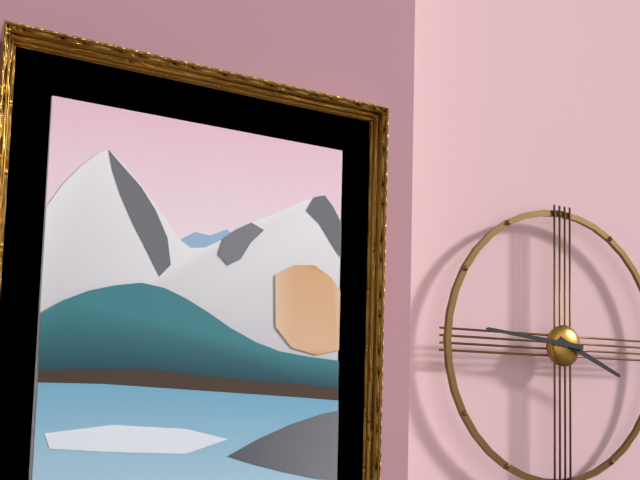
{"hour": 3, "minute": 46}
